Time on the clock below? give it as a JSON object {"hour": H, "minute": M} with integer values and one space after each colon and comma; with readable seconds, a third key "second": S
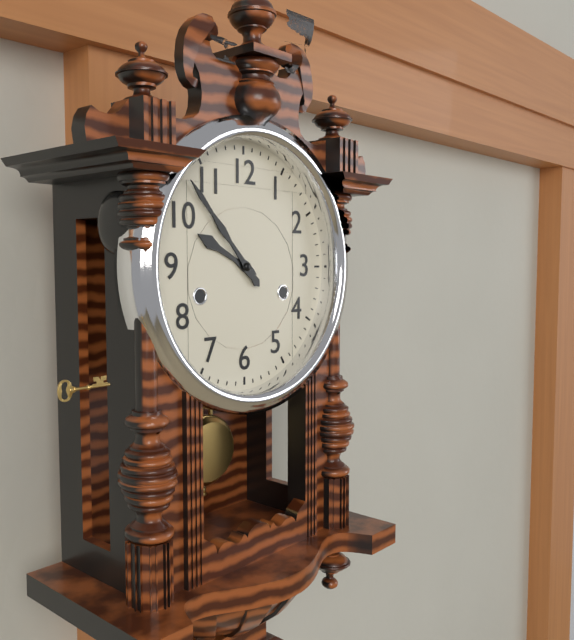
{"hour": 9, "minute": 53}
